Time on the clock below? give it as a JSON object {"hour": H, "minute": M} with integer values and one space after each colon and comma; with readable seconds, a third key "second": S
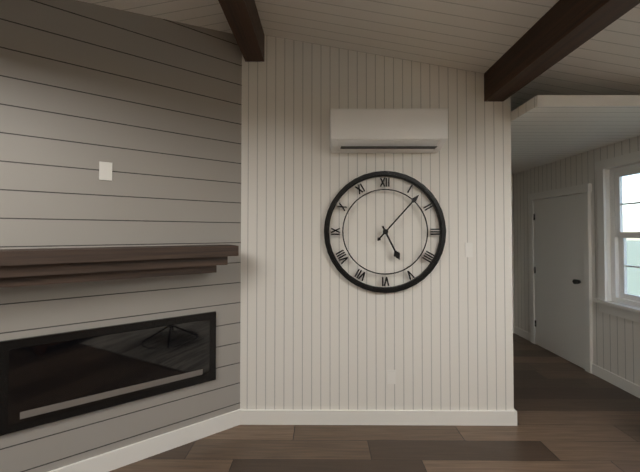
{"hour": 5, "minute": 7}
